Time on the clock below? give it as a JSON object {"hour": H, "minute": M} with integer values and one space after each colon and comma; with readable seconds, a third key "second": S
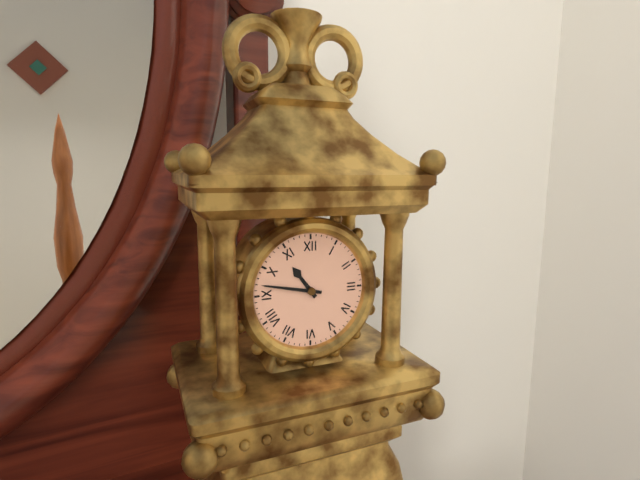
{"hour": 10, "minute": 47}
